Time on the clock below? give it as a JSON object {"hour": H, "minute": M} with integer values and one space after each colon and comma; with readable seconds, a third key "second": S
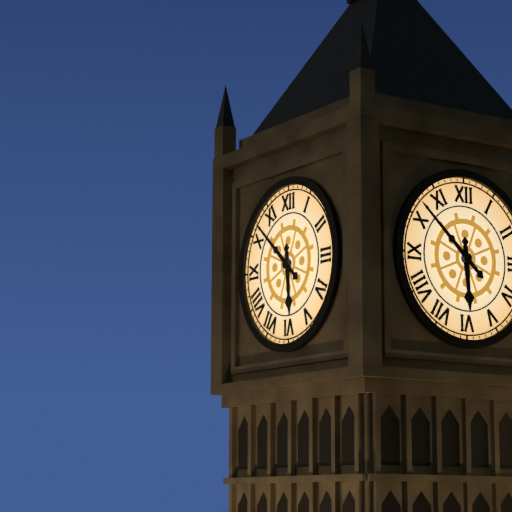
{"hour": 5, "minute": 52}
